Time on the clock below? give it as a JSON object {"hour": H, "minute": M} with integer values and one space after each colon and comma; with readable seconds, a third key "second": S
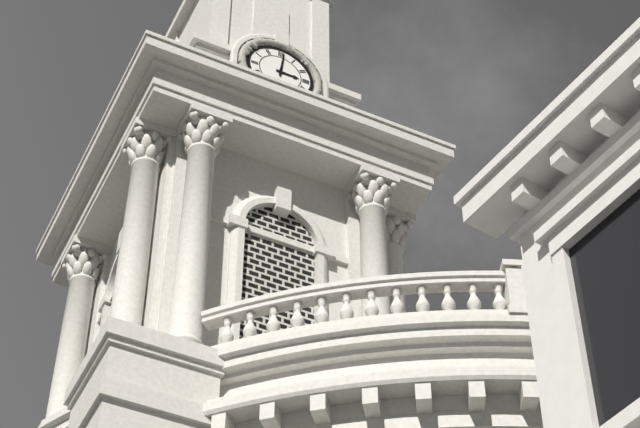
{"hour": 3, "minute": 1}
